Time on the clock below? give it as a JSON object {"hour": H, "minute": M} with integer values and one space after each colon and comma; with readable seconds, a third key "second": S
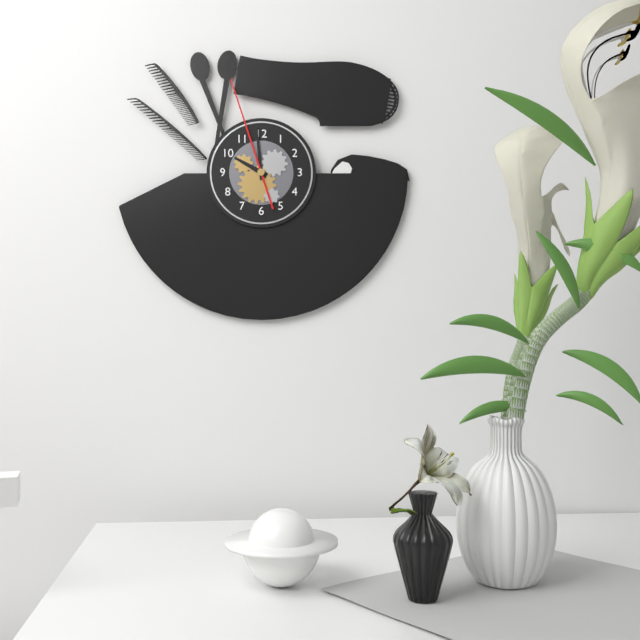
{"hour": 9, "minute": 59, "second": 57}
